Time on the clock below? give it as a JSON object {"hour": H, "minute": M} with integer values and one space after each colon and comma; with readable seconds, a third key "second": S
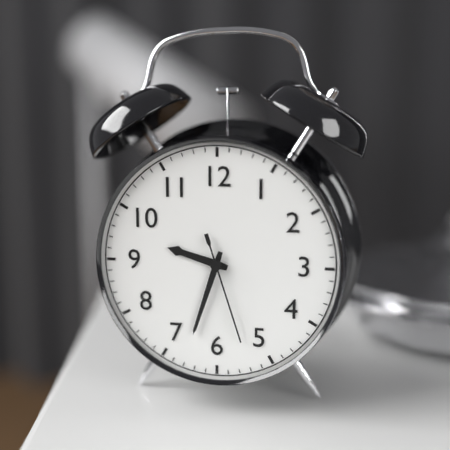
{"hour": 9, "minute": 33, "second": 27}
